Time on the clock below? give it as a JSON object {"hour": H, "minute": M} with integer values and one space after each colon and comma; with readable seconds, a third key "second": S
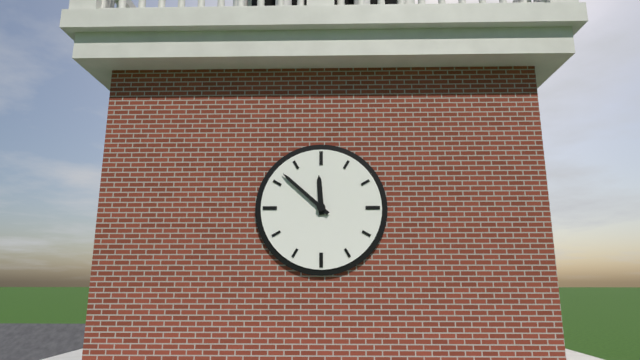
{"hour": 11, "minute": 52}
